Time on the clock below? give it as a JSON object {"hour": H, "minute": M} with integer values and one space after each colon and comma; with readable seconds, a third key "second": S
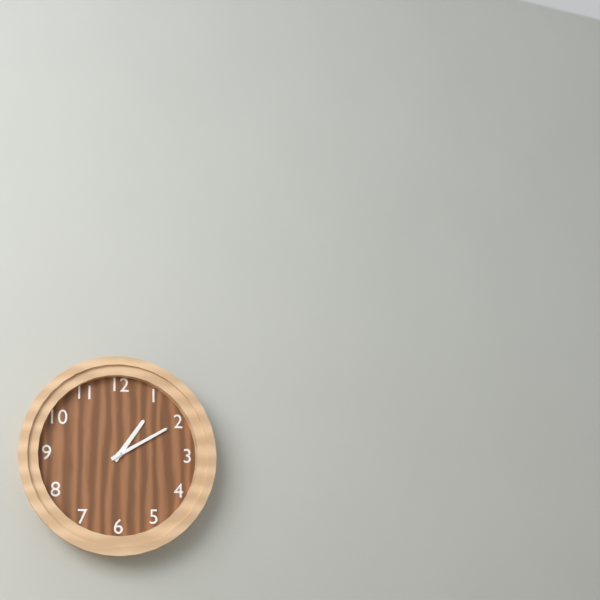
{"hour": 1, "minute": 10}
